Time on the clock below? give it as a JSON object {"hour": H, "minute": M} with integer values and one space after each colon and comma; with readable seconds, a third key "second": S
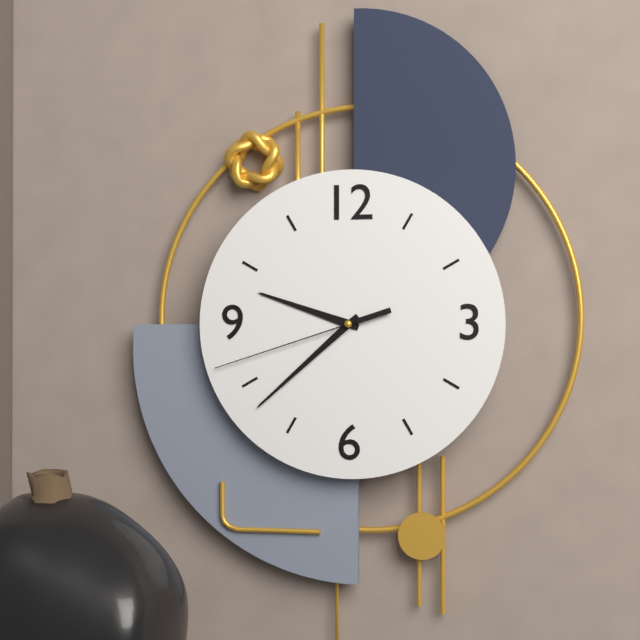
{"hour": 9, "minute": 38, "second": 42}
